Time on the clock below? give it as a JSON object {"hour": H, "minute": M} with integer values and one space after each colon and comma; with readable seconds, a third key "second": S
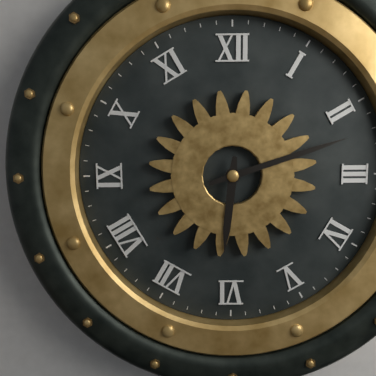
{"hour": 6, "minute": 12}
